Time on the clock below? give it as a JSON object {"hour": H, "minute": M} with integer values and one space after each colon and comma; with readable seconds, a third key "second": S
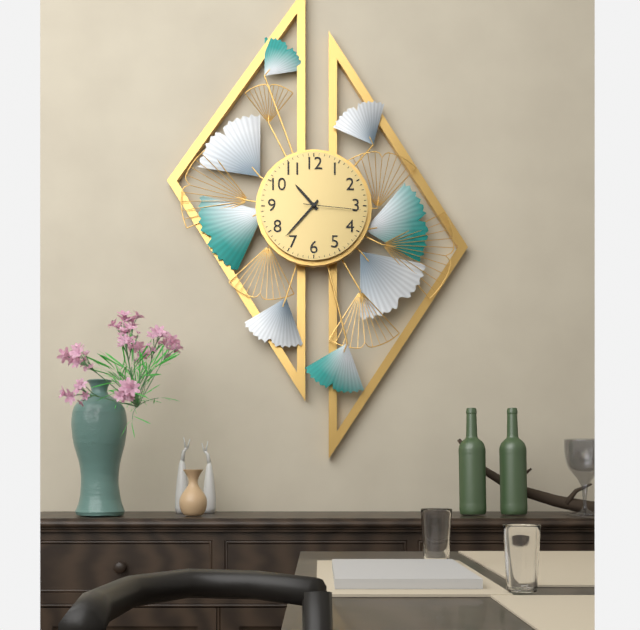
{"hour": 10, "minute": 37, "second": 16}
